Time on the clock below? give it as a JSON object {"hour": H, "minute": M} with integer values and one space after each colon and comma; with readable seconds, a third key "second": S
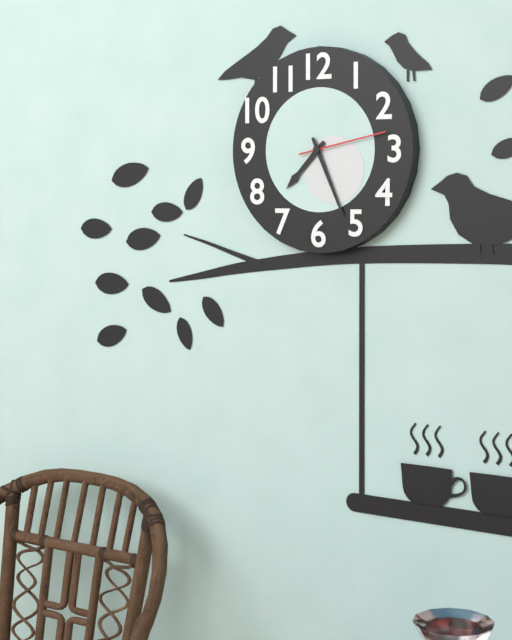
{"hour": 7, "minute": 26, "second": 13}
